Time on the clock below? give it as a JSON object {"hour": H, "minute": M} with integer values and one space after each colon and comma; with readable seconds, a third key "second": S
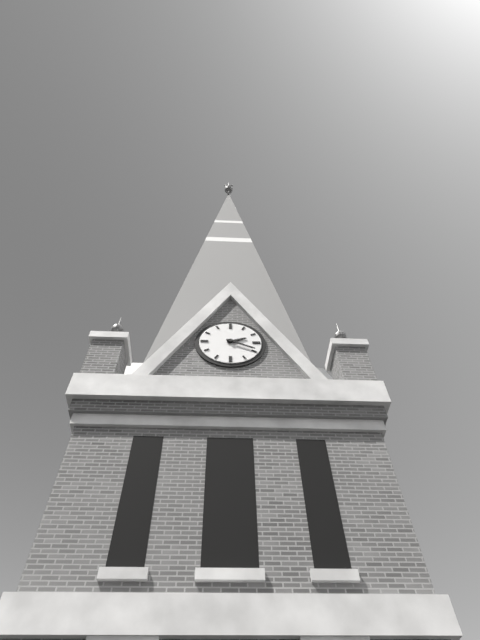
{"hour": 2, "minute": 19}
